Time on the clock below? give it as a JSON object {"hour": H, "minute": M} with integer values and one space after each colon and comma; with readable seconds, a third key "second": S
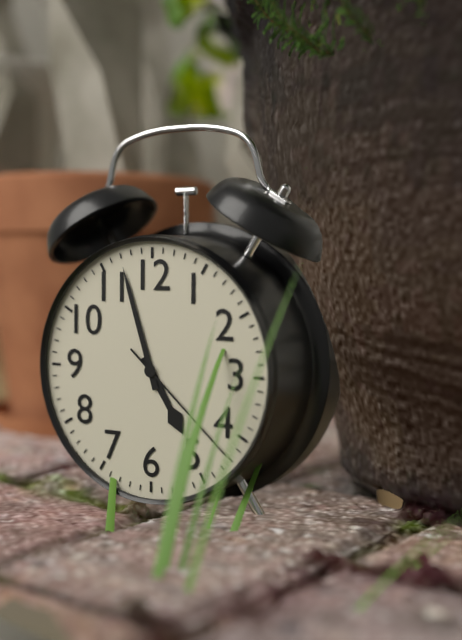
{"hour": 4, "minute": 57}
